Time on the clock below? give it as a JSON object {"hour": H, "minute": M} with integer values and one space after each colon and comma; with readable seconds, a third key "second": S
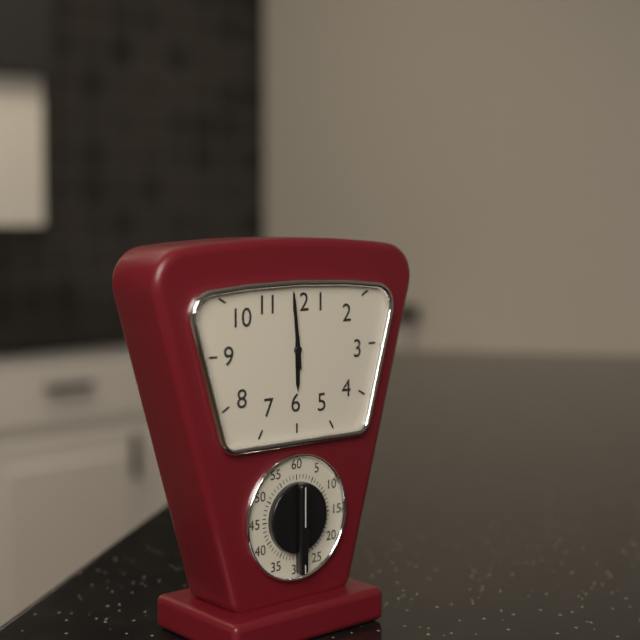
{"hour": 5, "minute": 59}
